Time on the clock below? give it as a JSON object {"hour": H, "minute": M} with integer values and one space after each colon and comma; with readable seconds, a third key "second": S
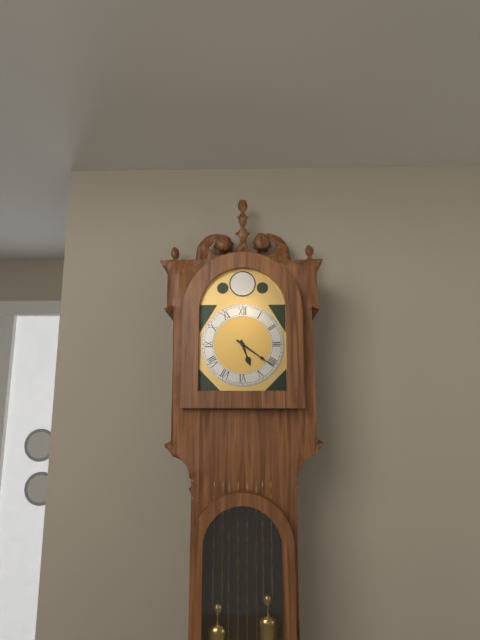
{"hour": 5, "minute": 21}
